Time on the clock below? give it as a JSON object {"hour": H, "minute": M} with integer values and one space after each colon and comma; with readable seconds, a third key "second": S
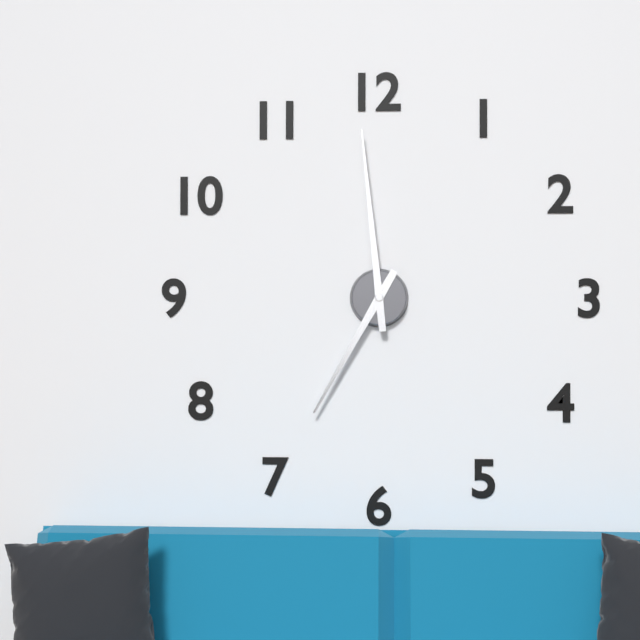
{"hour": 6, "minute": 59}
